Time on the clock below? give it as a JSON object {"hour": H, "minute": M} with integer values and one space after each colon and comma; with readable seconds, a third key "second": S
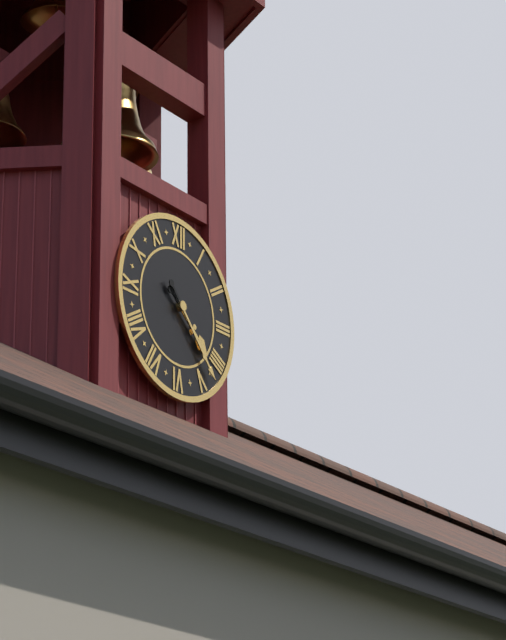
{"hour": 4, "minute": 23}
